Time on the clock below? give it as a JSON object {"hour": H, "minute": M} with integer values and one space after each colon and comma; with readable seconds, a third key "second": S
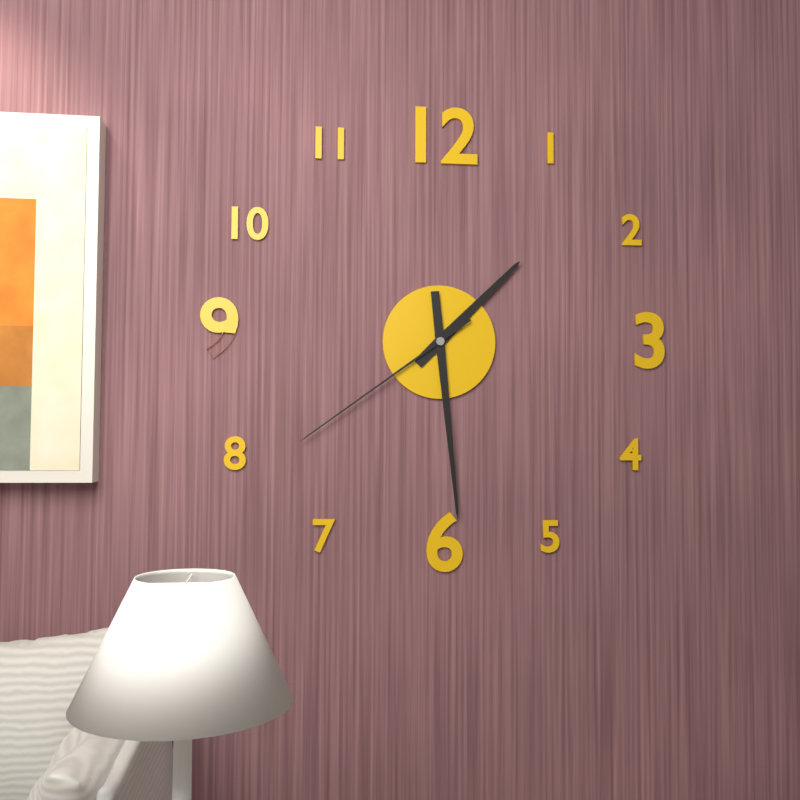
{"hour": 1, "minute": 29, "second": 39}
